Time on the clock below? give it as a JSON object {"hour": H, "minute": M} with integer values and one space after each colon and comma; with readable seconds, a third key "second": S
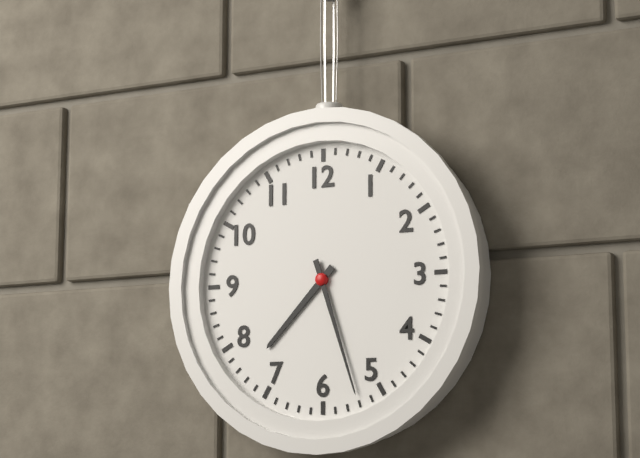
{"hour": 7, "minute": 27}
